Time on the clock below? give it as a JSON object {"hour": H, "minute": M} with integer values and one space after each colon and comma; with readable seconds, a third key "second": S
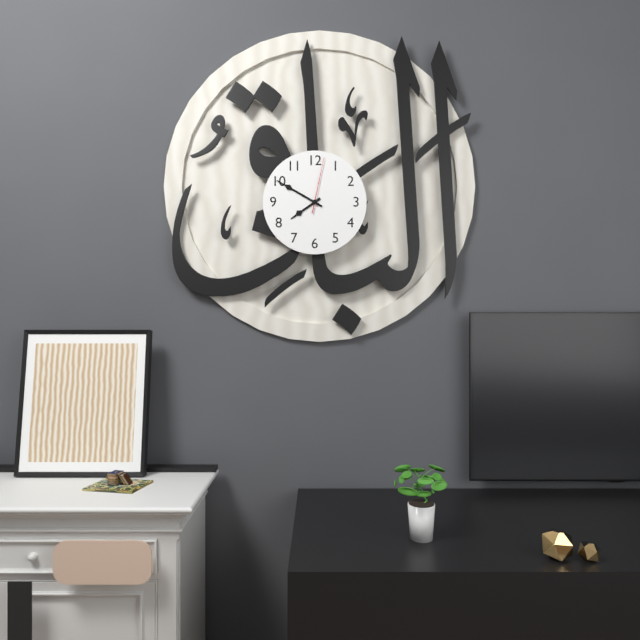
{"hour": 7, "minute": 50, "second": 2}
